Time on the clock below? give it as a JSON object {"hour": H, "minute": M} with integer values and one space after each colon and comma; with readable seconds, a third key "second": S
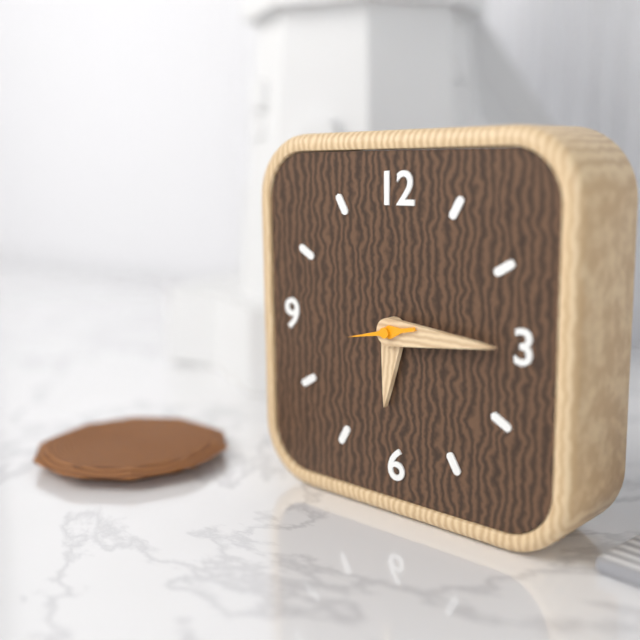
{"hour": 6, "minute": 15}
